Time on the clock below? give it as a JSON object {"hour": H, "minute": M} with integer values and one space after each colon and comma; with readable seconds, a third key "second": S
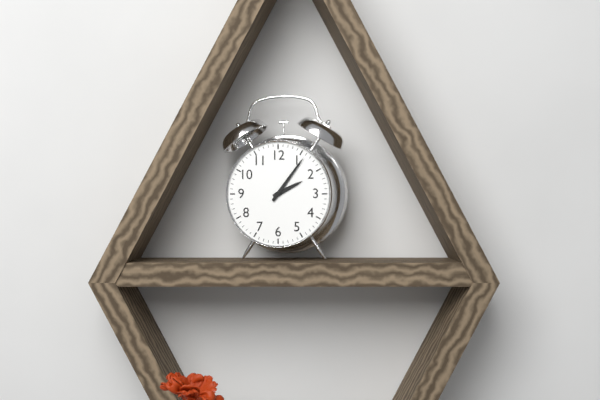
{"hour": 2, "minute": 6}
